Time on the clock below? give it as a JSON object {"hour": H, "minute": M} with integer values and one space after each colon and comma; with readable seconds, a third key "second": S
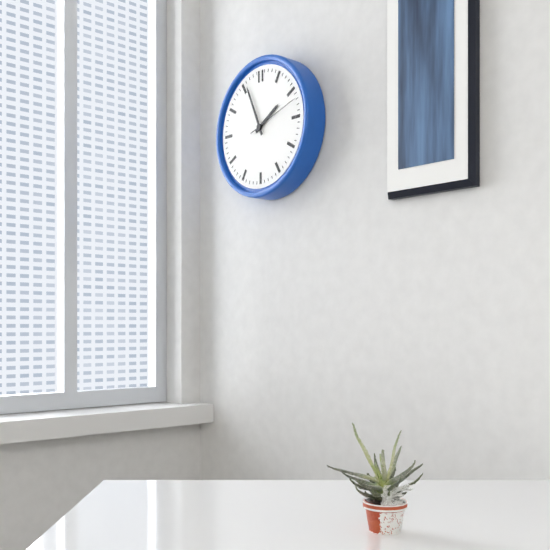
{"hour": 1, "minute": 56, "second": 12}
